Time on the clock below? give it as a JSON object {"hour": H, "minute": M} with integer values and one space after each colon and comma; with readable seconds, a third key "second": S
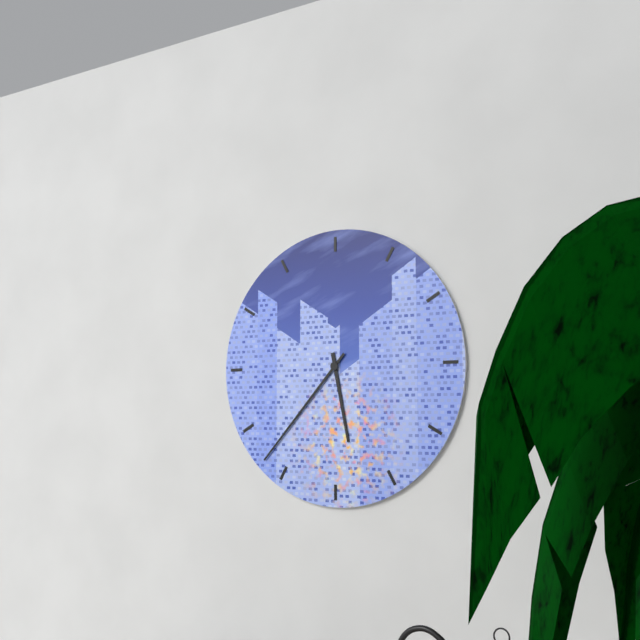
{"hour": 5, "minute": 37}
